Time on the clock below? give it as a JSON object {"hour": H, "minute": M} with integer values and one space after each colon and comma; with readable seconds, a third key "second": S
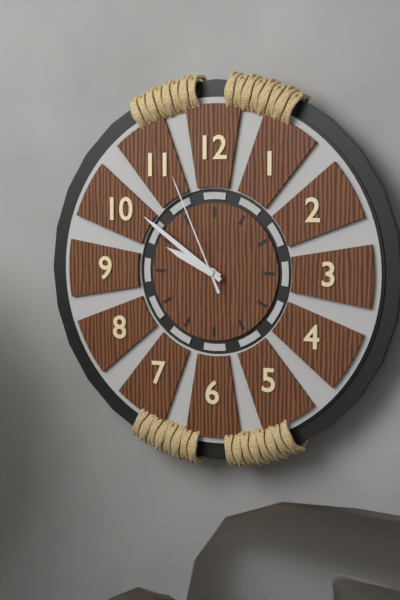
{"hour": 9, "minute": 51, "second": 56}
